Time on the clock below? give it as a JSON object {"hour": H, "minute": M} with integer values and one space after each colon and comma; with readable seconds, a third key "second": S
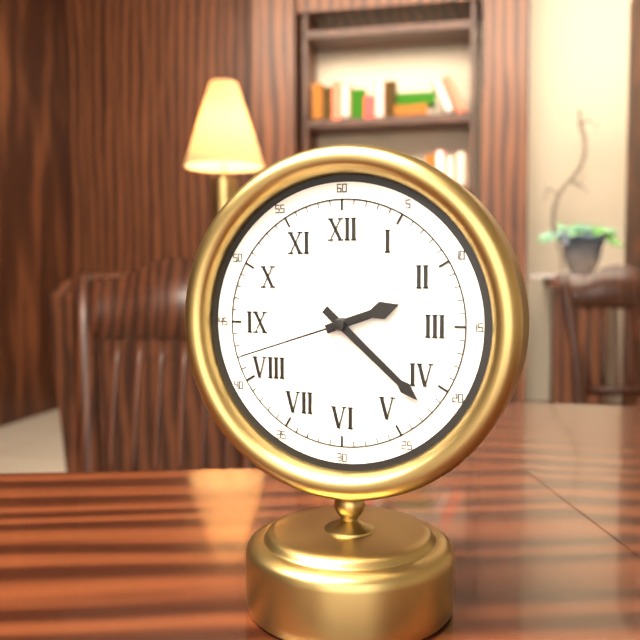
{"hour": 2, "minute": 22, "second": 42}
